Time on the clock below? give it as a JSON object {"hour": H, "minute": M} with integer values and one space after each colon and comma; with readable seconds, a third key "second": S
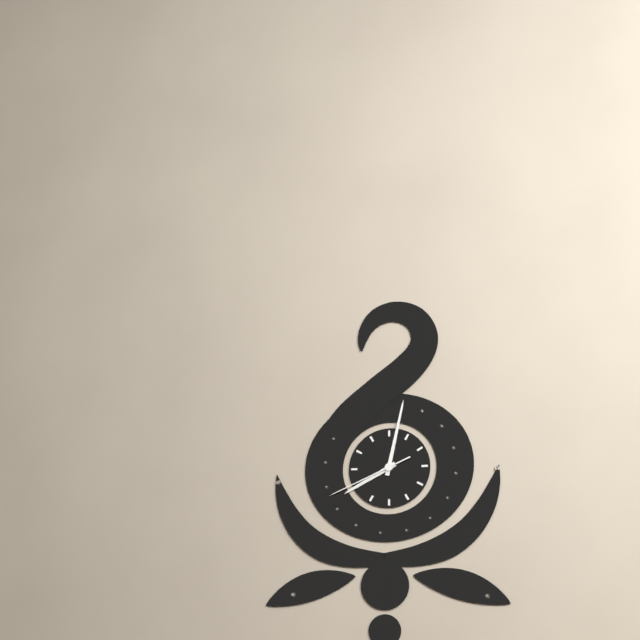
{"hour": 8, "minute": 2, "second": 41}
